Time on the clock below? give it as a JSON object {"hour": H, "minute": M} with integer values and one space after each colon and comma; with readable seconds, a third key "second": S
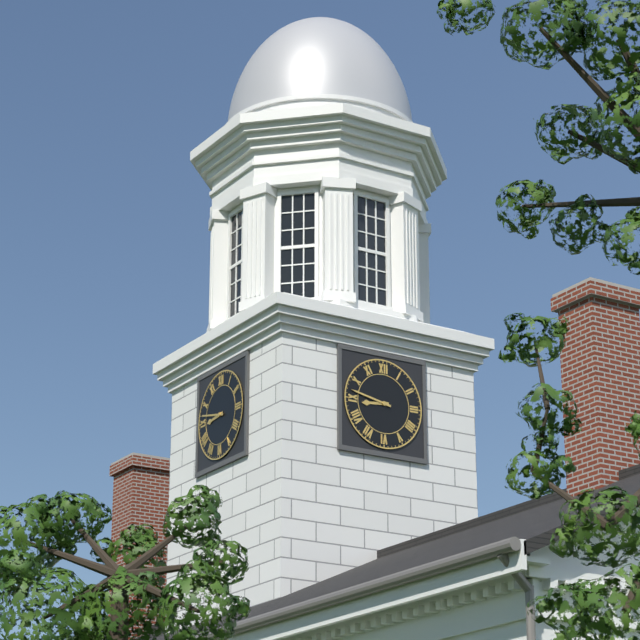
{"hour": 8, "minute": 47}
